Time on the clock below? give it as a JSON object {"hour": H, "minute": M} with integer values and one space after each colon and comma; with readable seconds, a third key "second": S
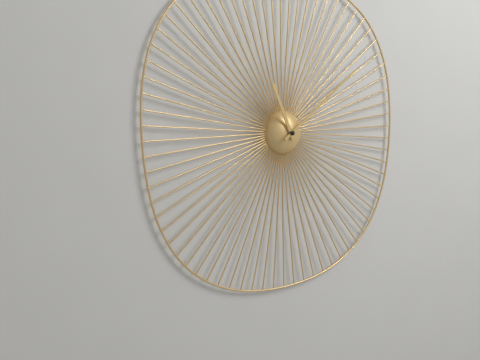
{"hour": 11, "minute": 9}
